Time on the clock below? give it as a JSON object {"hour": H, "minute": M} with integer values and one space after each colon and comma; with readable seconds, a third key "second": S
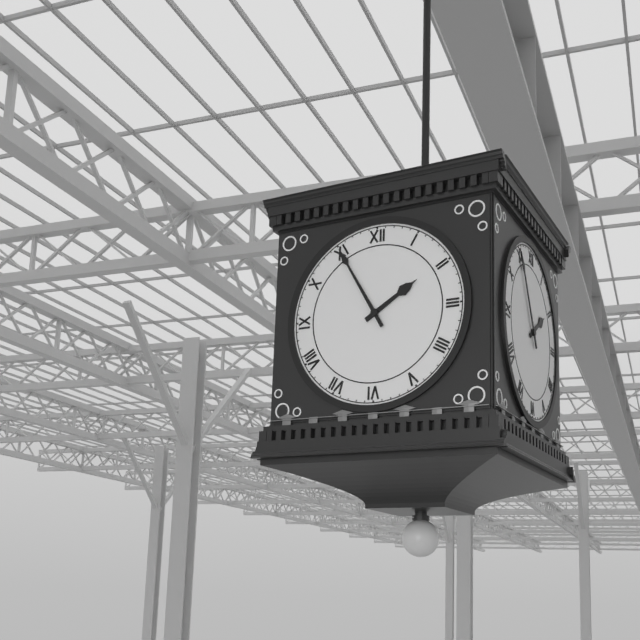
{"hour": 1, "minute": 55}
